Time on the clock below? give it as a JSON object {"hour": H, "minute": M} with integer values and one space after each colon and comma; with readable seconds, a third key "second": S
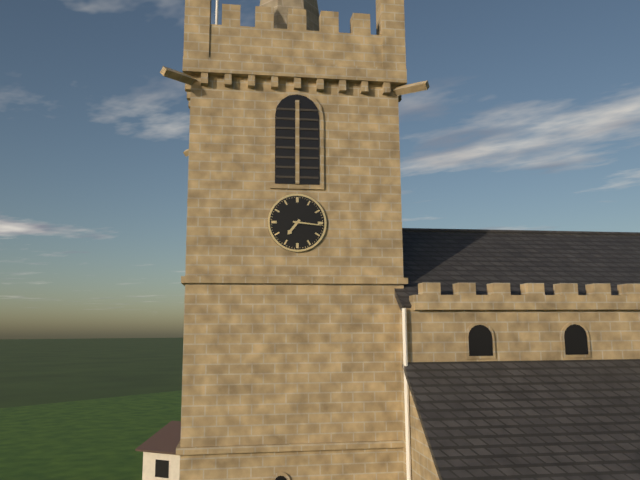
{"hour": 7, "minute": 16}
